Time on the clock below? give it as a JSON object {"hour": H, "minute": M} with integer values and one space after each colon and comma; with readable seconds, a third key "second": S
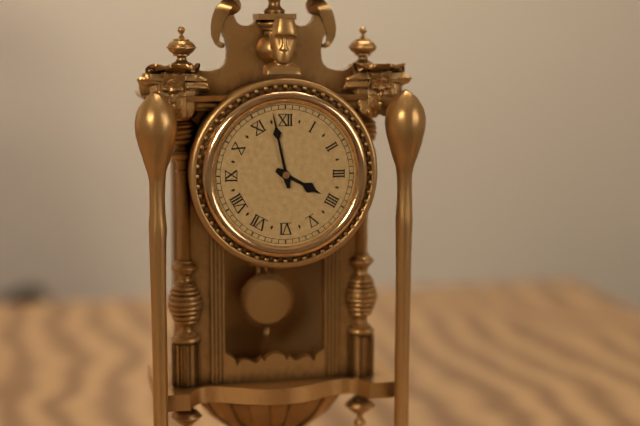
{"hour": 3, "minute": 58}
